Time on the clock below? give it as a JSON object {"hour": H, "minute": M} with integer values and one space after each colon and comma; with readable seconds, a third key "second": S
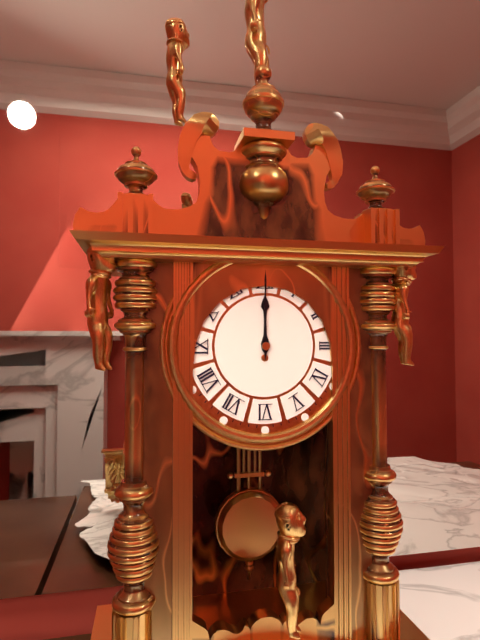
{"hour": 12, "minute": 0}
